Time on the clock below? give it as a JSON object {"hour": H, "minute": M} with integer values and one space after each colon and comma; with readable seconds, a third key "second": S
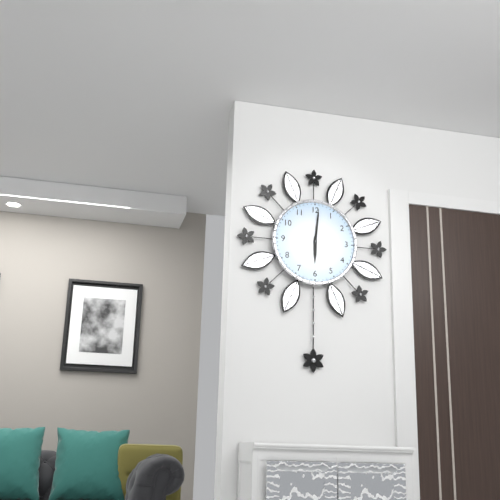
{"hour": 6, "minute": 1}
